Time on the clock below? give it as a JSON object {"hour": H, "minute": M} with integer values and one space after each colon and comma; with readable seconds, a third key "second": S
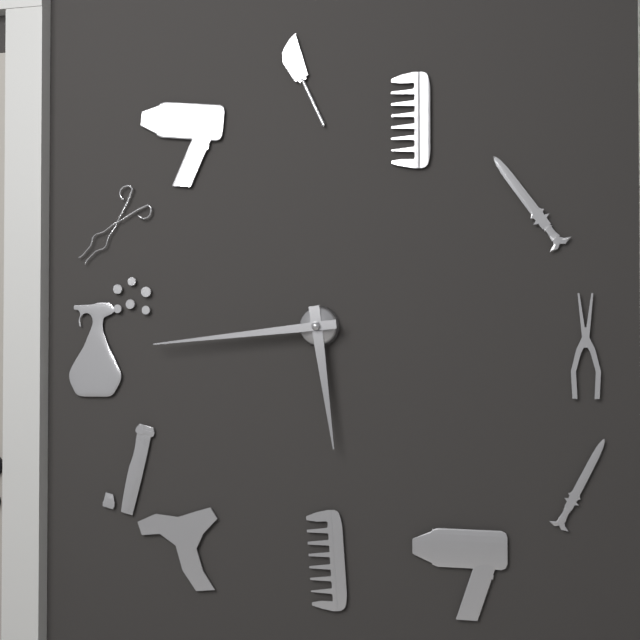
{"hour": 5, "minute": 44}
